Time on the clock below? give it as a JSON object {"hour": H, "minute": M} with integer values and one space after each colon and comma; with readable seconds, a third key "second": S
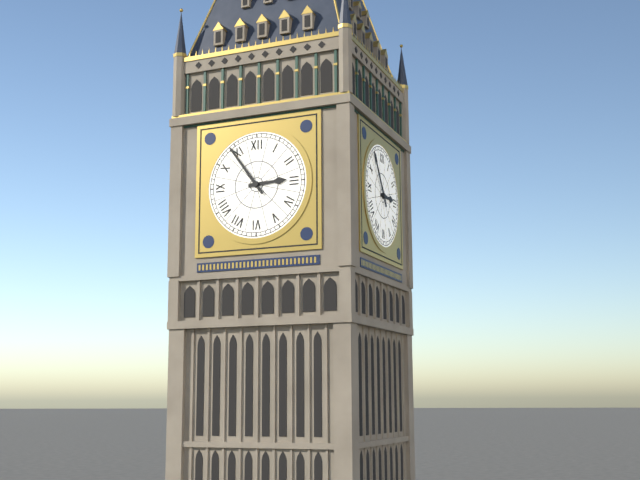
{"hour": 2, "minute": 54}
